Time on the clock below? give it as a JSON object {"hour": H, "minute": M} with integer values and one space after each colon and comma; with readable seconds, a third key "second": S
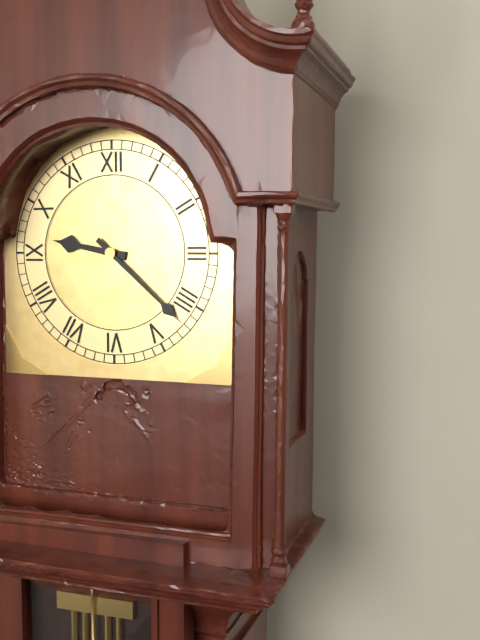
{"hour": 9, "minute": 22}
